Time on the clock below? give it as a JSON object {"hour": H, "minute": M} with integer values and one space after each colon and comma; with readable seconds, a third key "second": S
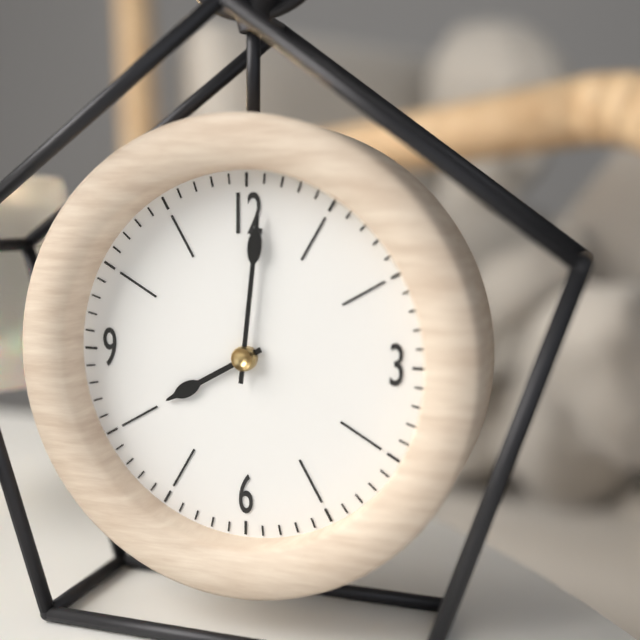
{"hour": 8, "minute": 1}
